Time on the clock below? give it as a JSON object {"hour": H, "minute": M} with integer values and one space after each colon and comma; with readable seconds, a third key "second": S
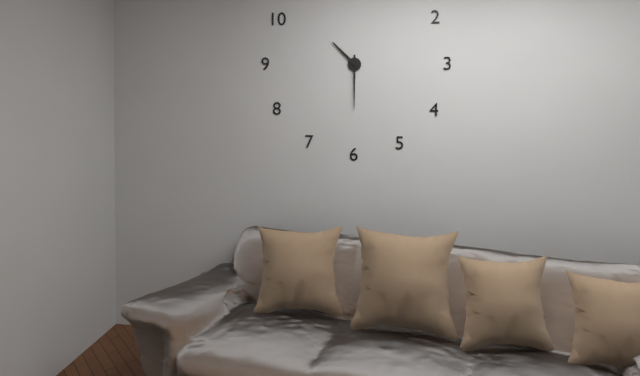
{"hour": 10, "minute": 30}
